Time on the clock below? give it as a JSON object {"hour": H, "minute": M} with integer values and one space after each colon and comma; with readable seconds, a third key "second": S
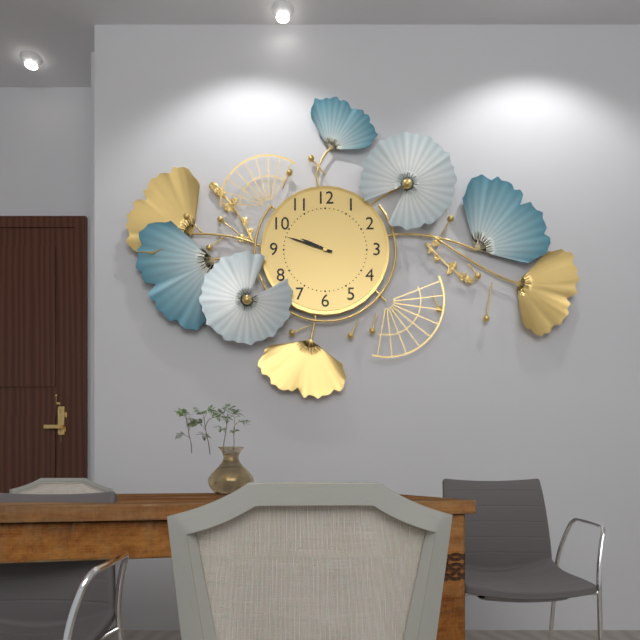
{"hour": 9, "minute": 48}
